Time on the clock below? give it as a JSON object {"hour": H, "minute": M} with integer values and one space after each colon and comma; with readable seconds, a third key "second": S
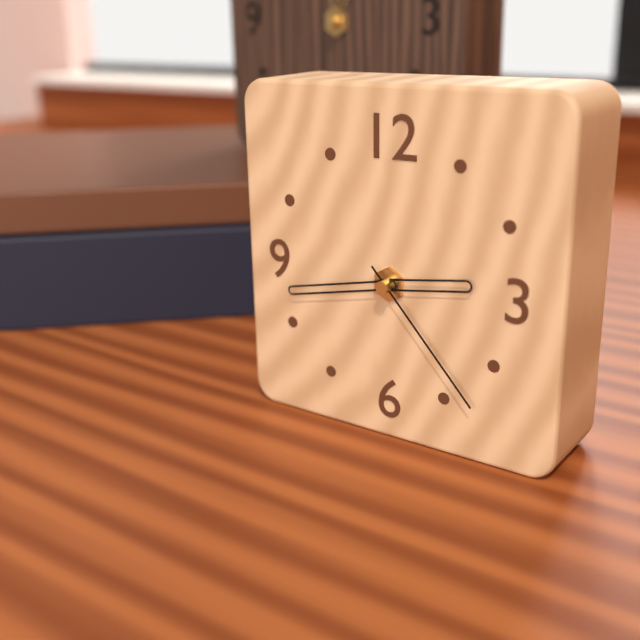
{"hour": 2, "minute": 43, "second": 23}
